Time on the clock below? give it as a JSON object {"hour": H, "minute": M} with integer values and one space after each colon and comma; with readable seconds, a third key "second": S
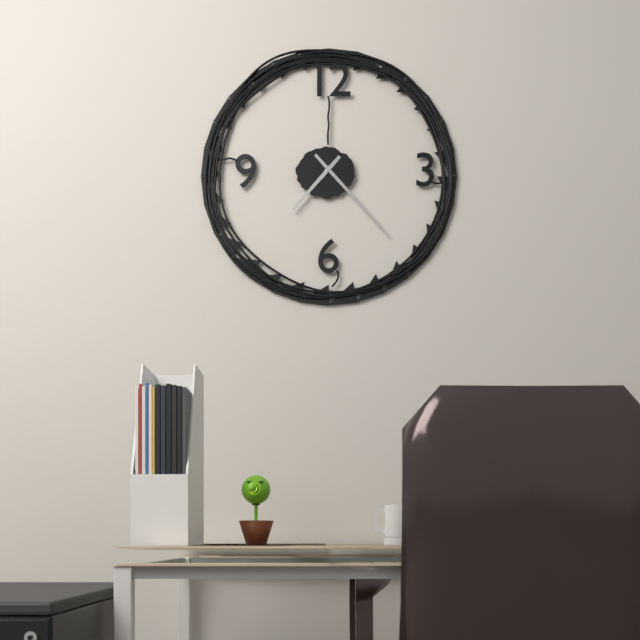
{"hour": 7, "minute": 23}
